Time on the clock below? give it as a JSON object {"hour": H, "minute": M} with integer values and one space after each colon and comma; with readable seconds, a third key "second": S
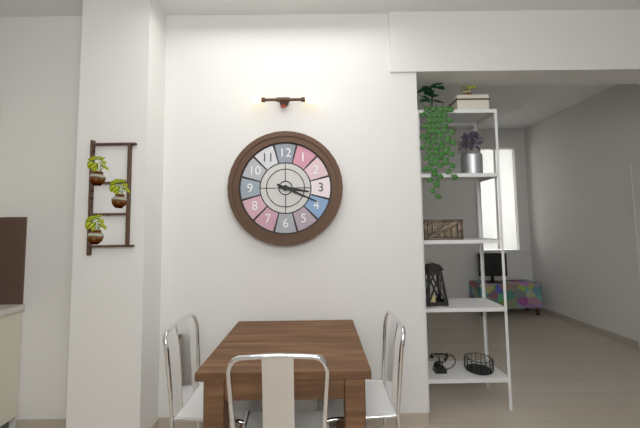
{"hour": 3, "minute": 19}
